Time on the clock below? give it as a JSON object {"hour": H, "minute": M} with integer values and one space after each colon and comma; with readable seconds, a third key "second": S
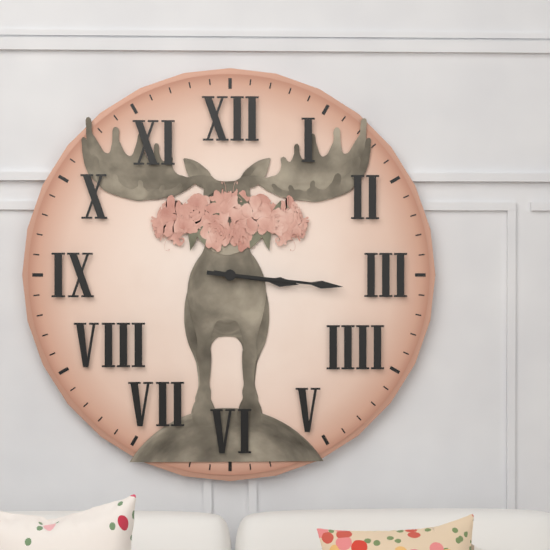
{"hour": 3, "minute": 16}
